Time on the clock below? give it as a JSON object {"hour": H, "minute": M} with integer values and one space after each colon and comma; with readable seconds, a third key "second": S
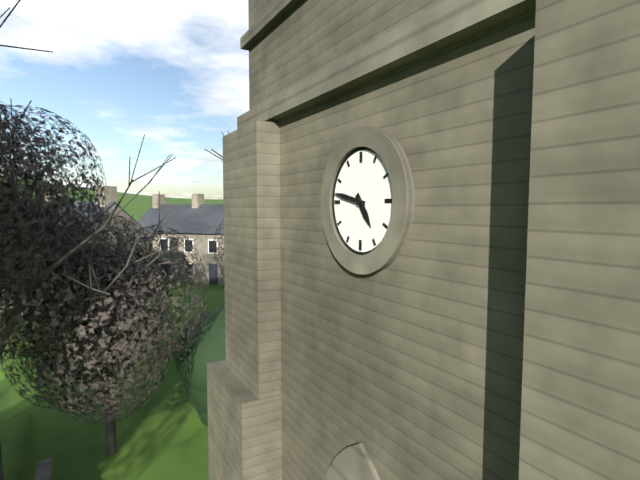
{"hour": 4, "minute": 47}
